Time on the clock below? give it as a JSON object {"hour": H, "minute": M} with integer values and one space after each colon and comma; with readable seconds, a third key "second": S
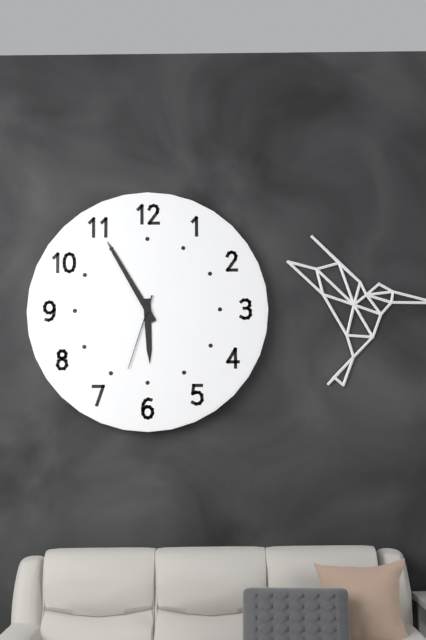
{"hour": 5, "minute": 55, "second": 33}
